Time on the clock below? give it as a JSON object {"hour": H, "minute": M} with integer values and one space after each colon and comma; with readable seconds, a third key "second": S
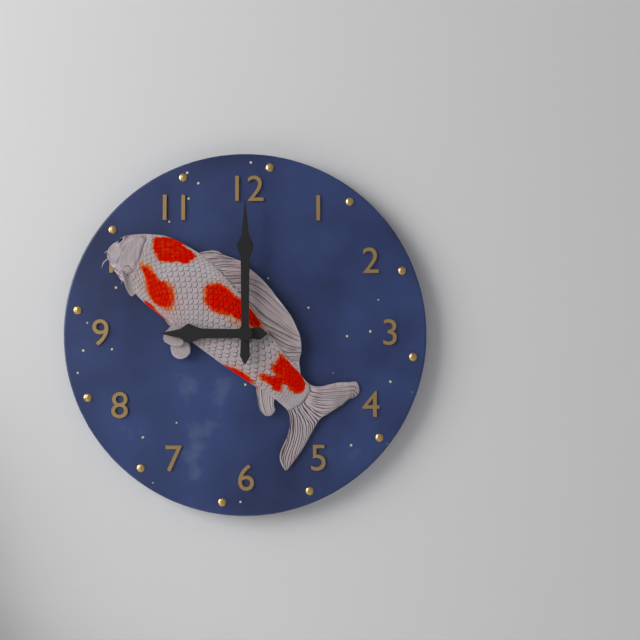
{"hour": 9, "minute": 0}
